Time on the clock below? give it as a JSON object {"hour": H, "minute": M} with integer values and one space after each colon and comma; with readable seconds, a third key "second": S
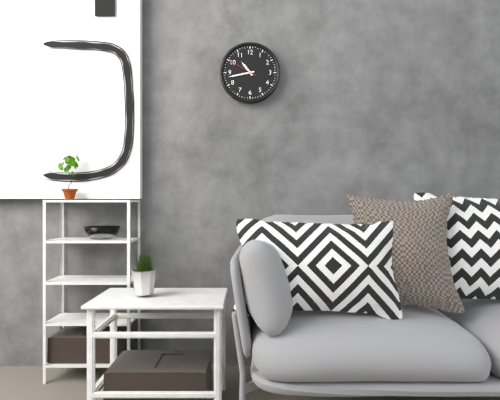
{"hour": 10, "minute": 43}
